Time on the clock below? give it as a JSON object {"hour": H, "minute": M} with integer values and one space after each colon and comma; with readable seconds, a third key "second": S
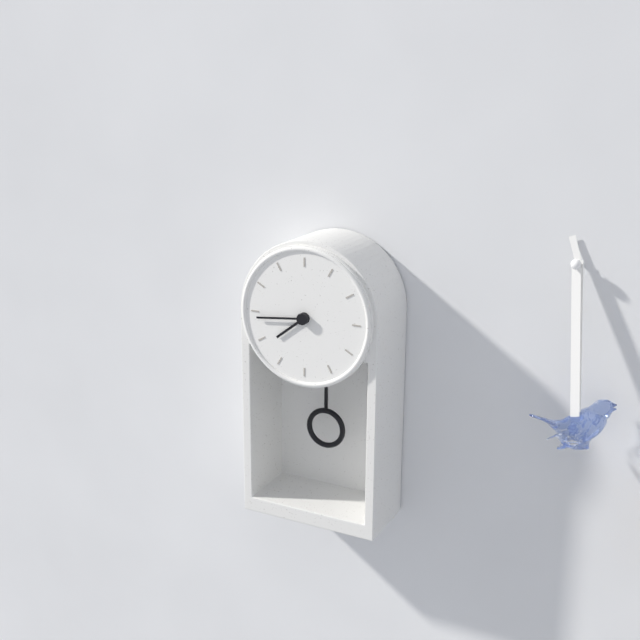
{"hour": 7, "minute": 44}
